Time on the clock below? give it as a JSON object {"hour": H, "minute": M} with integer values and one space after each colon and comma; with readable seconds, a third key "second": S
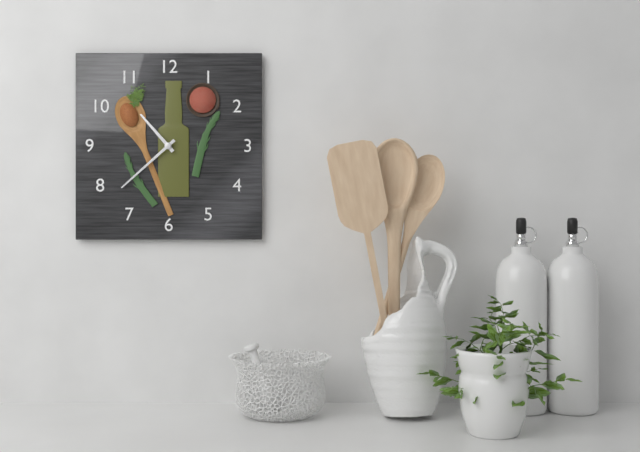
{"hour": 10, "minute": 38}
